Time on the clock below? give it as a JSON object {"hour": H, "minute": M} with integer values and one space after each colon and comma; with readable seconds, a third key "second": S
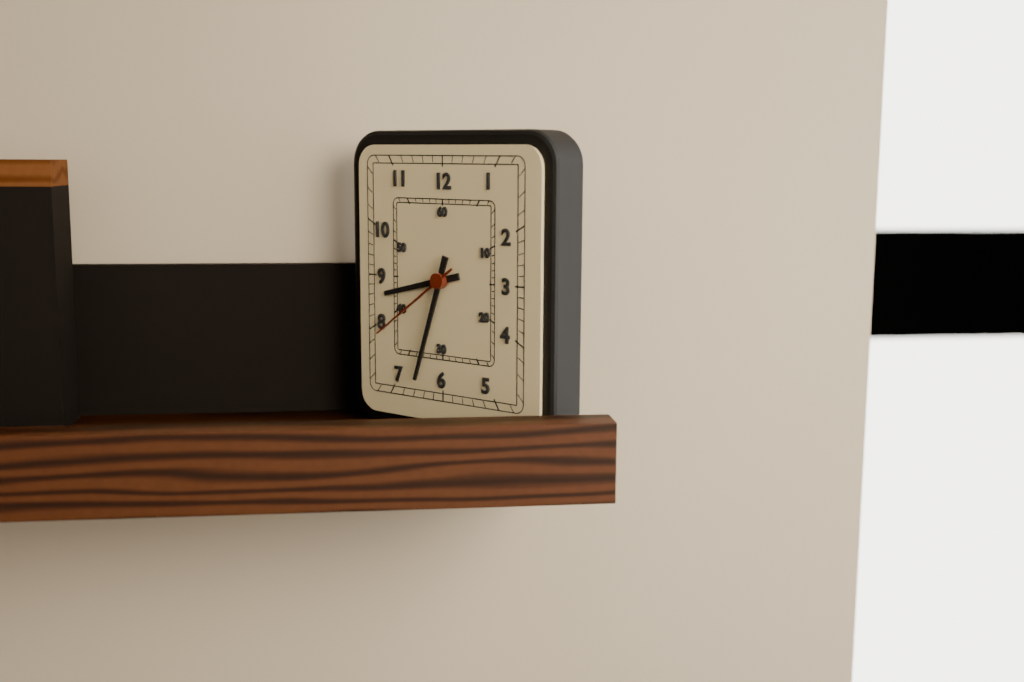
{"hour": 8, "minute": 33, "second": 39}
